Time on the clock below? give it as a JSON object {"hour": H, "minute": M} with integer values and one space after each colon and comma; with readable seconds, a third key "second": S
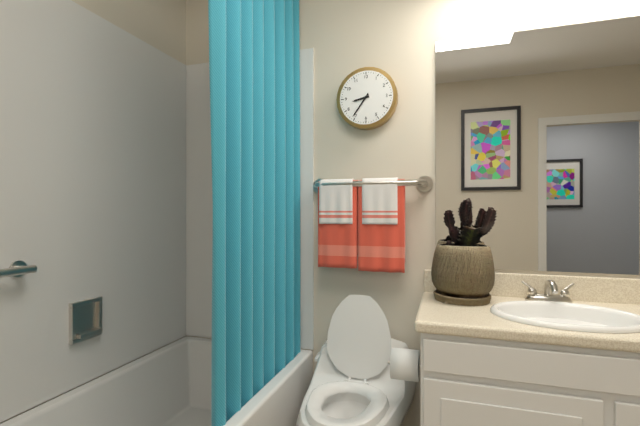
{"hour": 8, "minute": 36}
